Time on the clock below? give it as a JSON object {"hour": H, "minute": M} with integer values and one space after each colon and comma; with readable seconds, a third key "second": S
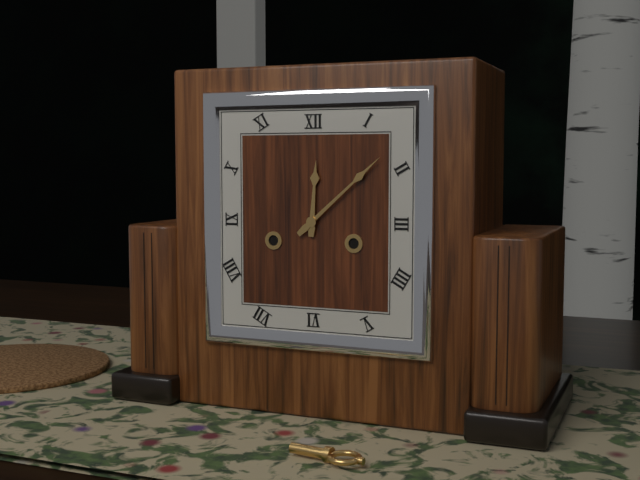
{"hour": 12, "minute": 8}
